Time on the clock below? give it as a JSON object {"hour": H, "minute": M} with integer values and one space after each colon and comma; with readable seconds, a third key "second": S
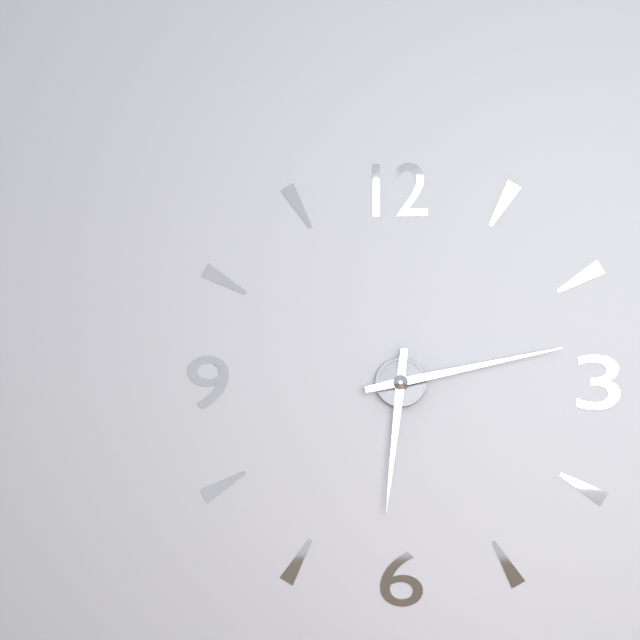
{"hour": 6, "minute": 13}
